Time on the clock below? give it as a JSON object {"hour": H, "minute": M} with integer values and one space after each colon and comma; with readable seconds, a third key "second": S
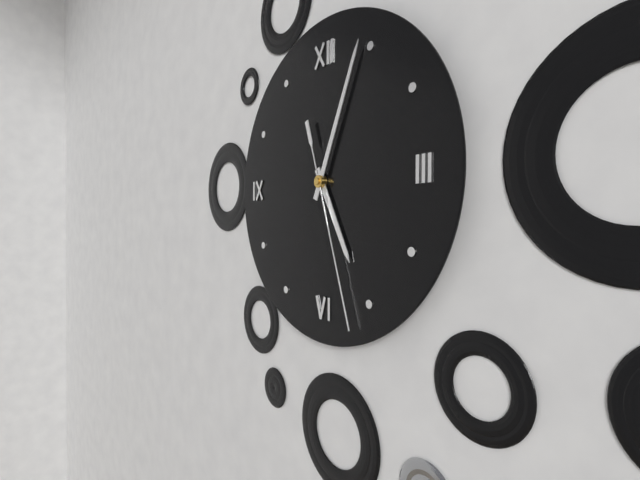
{"hour": 5, "minute": 4, "second": 27}
